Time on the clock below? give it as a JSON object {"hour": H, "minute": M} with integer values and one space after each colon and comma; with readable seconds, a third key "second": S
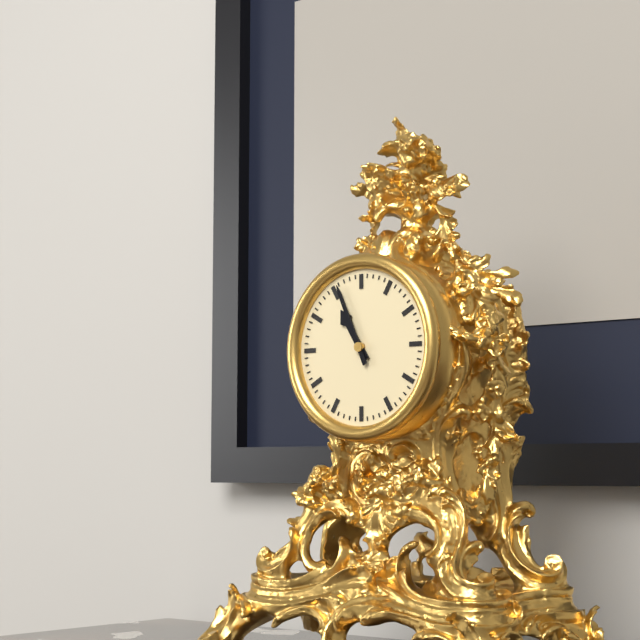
{"hour": 10, "minute": 56}
